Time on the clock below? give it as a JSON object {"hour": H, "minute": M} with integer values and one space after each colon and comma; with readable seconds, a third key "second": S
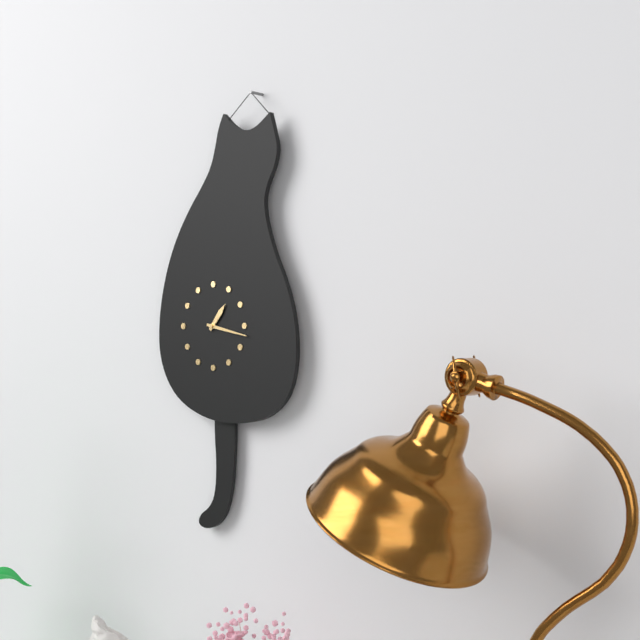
{"hour": 1, "minute": 17}
